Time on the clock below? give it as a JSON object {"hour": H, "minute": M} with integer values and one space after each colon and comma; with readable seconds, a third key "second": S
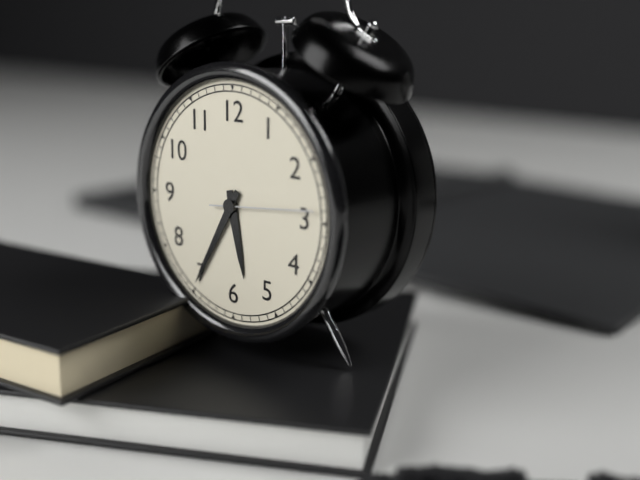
{"hour": 5, "minute": 35, "second": 14}
